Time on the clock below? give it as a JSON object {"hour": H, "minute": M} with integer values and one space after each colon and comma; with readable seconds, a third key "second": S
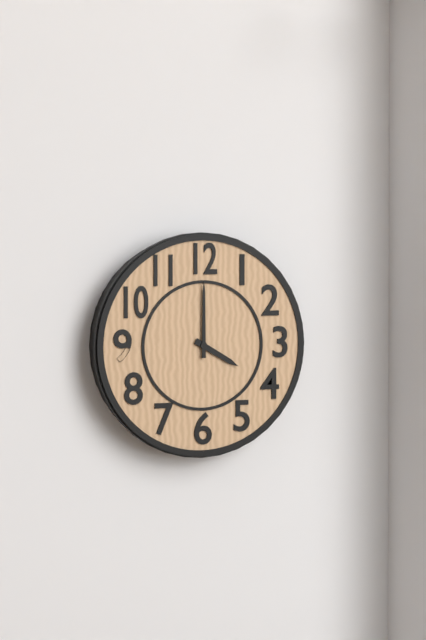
{"hour": 4, "minute": 0}
